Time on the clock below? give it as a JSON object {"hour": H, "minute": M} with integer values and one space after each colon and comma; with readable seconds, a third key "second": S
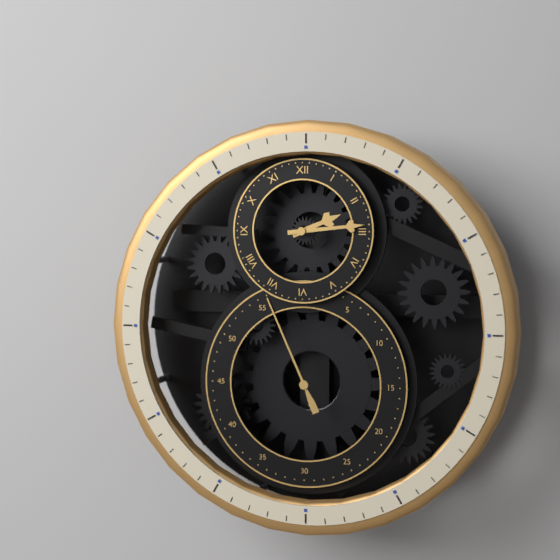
{"hour": 2, "minute": 14, "second": 56}
